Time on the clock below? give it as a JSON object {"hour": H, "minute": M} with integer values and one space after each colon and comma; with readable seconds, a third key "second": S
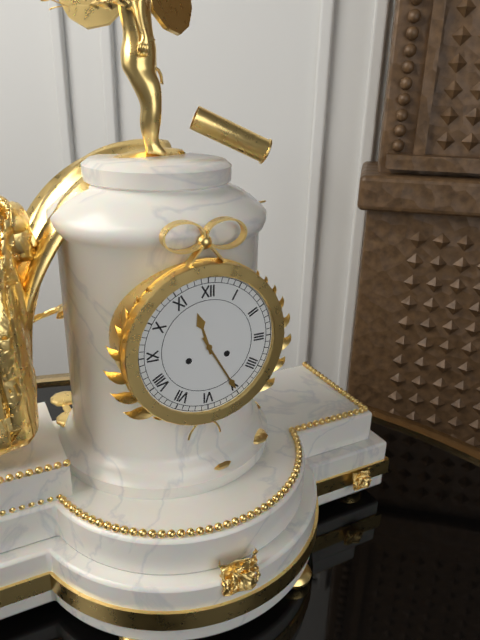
{"hour": 11, "minute": 25}
